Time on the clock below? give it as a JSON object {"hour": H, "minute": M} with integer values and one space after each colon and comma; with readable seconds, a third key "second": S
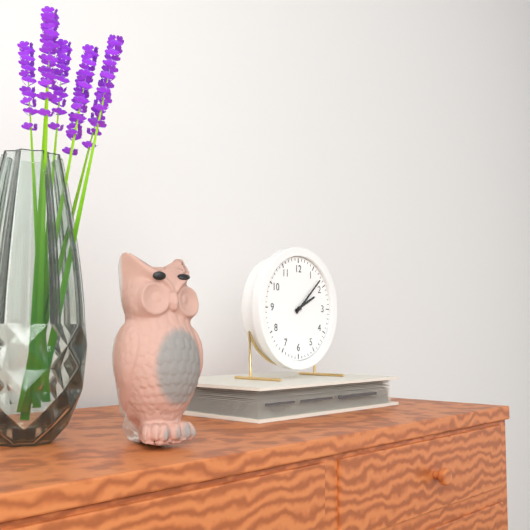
{"hour": 2, "minute": 8}
